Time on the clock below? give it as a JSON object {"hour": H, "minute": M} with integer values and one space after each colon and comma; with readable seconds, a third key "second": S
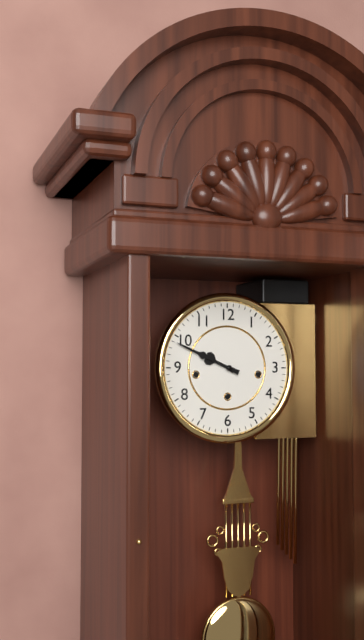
{"hour": 9, "minute": 49}
